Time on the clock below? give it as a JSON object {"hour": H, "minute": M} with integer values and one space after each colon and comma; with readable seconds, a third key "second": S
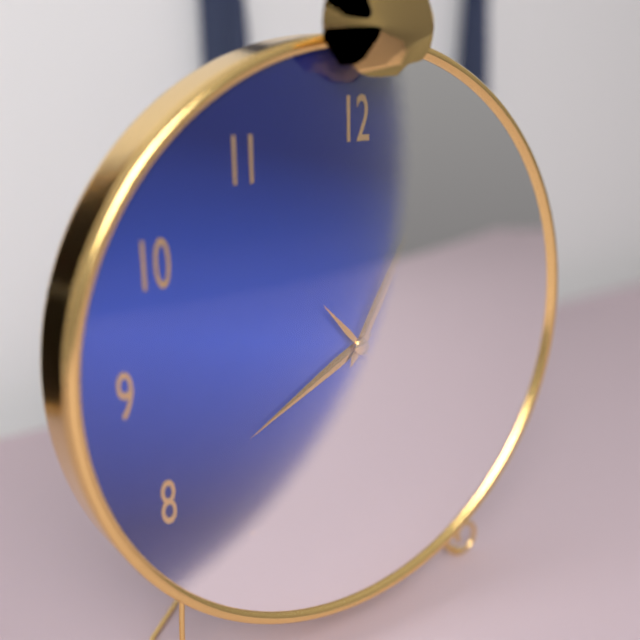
{"hour": 8, "minute": 5, "second": 23}
